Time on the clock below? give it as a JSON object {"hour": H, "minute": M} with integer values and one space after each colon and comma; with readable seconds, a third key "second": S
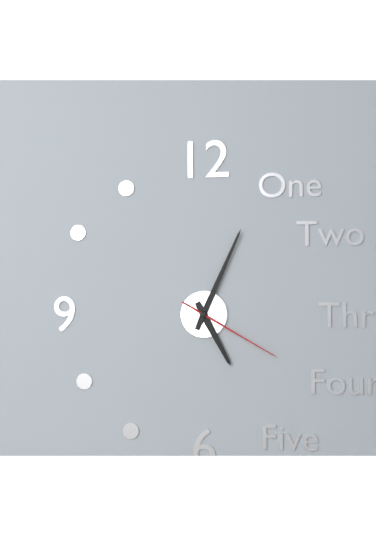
{"hour": 5, "minute": 4, "second": 20}
